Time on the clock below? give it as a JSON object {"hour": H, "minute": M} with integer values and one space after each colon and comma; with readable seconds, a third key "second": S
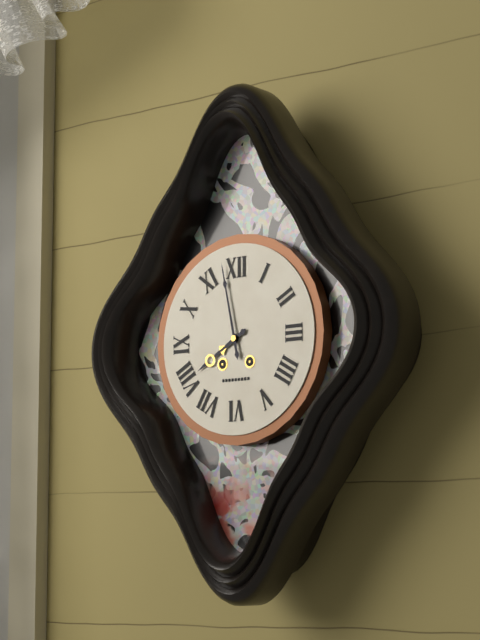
{"hour": 7, "minute": 58}
